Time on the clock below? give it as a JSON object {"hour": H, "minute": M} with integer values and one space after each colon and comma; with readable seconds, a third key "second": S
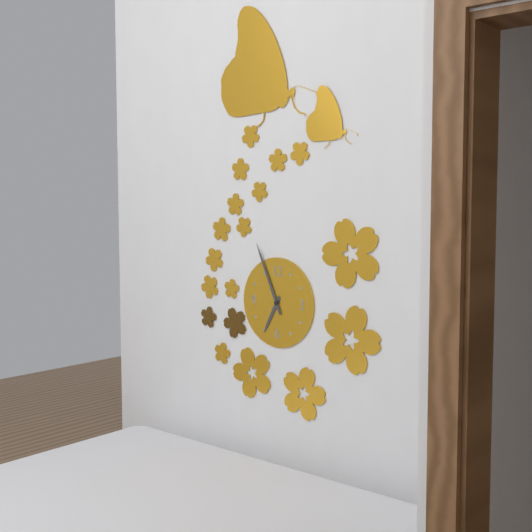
{"hour": 6, "minute": 56}
